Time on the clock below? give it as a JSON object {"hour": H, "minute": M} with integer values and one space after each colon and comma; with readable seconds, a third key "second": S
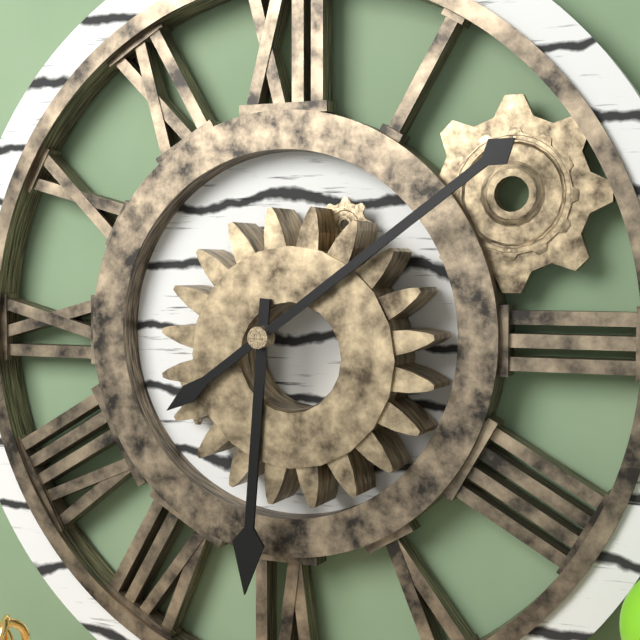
{"hour": 6, "minute": 9}
